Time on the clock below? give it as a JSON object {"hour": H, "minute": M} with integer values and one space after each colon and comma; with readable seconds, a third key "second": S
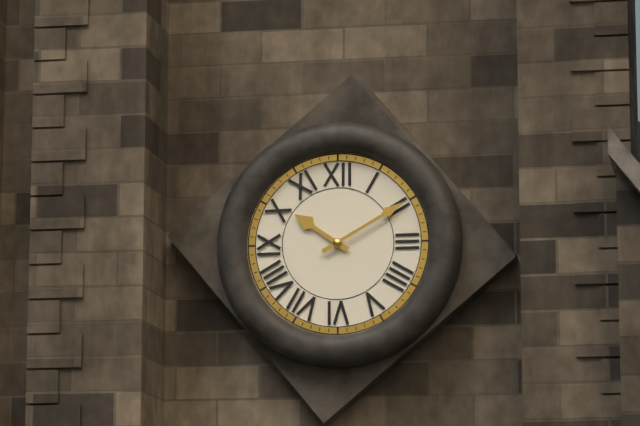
{"hour": 10, "minute": 10}
